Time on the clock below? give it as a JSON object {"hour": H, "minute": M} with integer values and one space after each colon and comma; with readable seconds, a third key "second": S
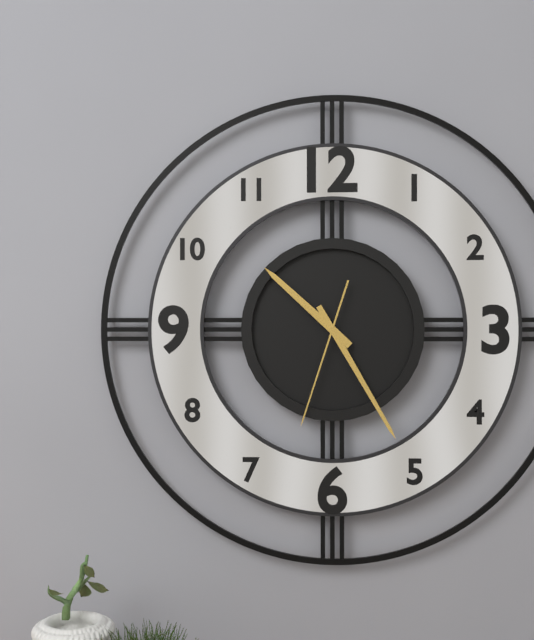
{"hour": 10, "minute": 25, "second": 33}
